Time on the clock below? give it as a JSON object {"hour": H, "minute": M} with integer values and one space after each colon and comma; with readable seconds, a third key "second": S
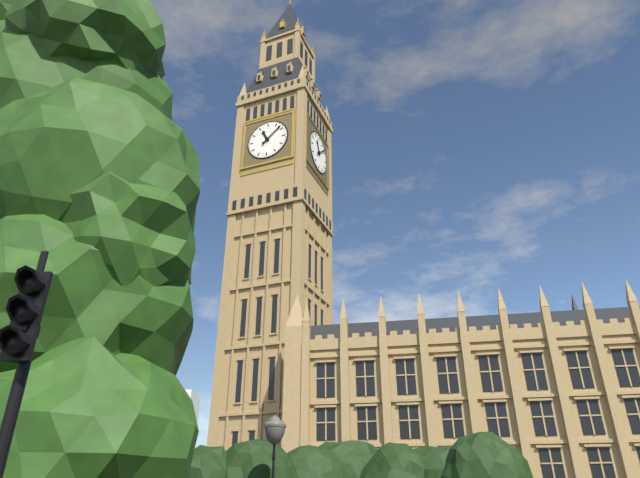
{"hour": 11, "minute": 8}
